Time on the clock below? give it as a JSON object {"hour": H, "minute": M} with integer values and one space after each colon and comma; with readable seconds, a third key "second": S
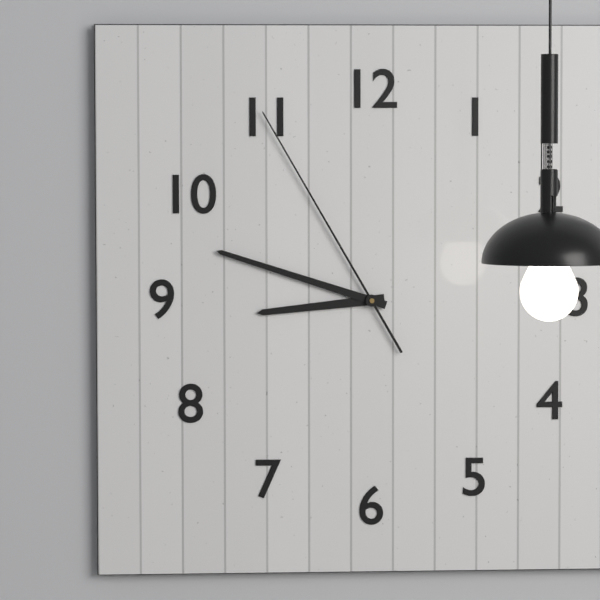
{"hour": 8, "minute": 48, "second": 55}
